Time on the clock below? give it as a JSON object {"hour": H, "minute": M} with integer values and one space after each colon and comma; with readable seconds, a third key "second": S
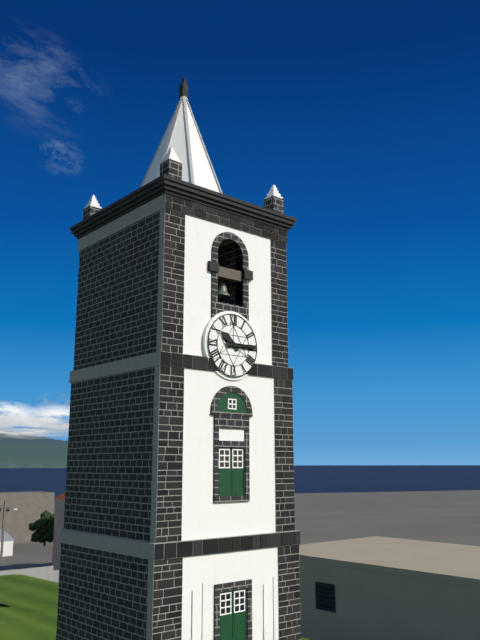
{"hour": 10, "minute": 15}
